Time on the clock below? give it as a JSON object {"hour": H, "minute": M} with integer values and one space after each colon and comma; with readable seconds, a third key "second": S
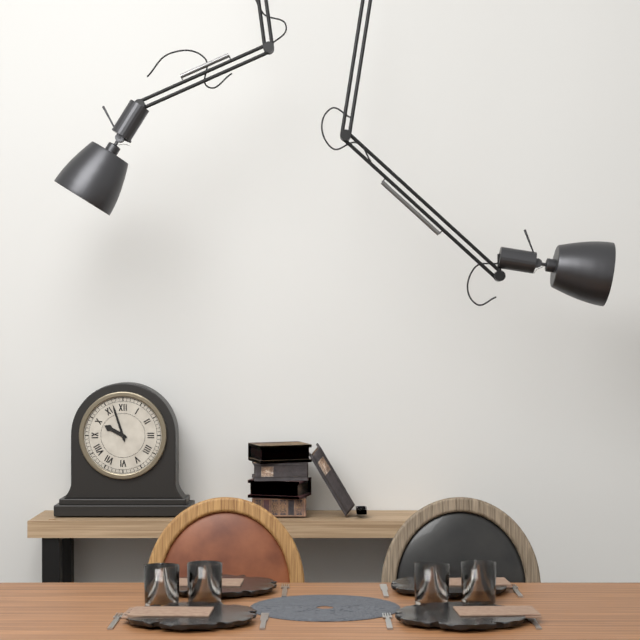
{"hour": 9, "minute": 57}
